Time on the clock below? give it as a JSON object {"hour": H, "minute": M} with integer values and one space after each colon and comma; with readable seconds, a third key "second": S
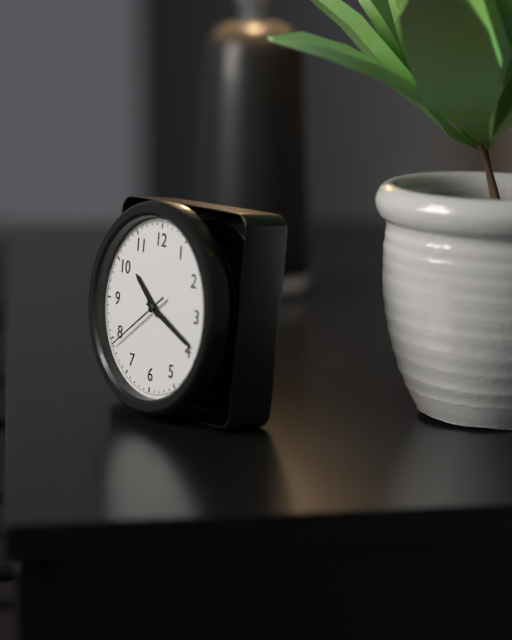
{"hour": 10, "minute": 19, "second": 39}
